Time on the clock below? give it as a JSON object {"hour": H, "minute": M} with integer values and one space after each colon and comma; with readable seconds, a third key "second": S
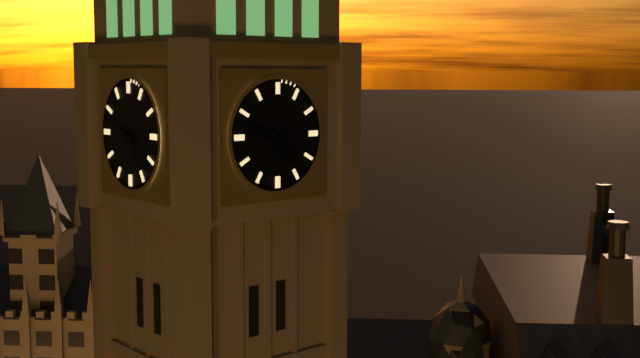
{"hour": 4, "minute": 47}
